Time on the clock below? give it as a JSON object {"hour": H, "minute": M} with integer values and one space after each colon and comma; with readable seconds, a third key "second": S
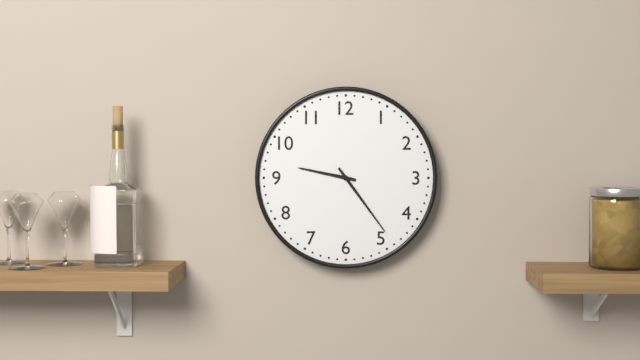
{"hour": 9, "minute": 24}
